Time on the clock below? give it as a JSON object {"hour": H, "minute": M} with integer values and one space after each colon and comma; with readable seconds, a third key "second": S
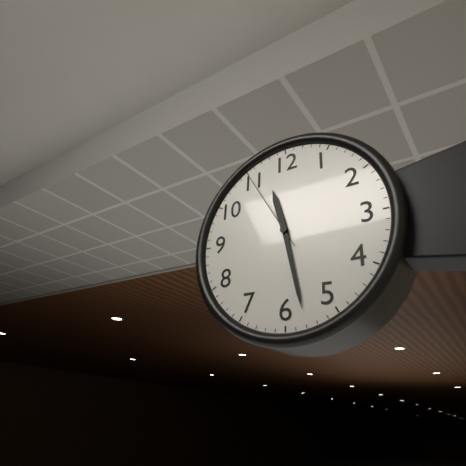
{"hour": 11, "minute": 28, "second": 55}
